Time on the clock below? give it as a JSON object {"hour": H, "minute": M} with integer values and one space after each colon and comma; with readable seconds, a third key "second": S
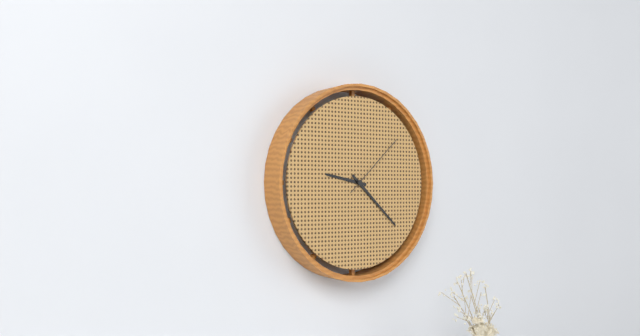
{"hour": 9, "minute": 22, "second": 8}
